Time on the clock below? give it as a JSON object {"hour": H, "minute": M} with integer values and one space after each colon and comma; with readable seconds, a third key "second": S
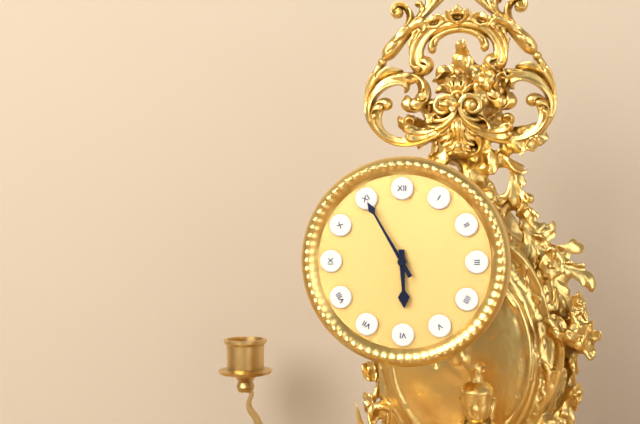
{"hour": 5, "minute": 55}
